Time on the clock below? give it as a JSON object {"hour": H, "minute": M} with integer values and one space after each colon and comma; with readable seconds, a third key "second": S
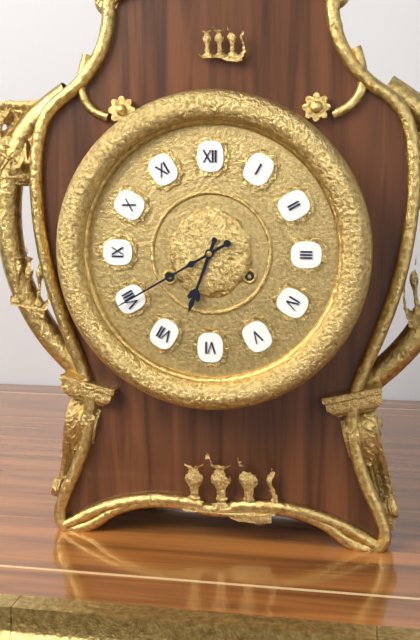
{"hour": 6, "minute": 40}
